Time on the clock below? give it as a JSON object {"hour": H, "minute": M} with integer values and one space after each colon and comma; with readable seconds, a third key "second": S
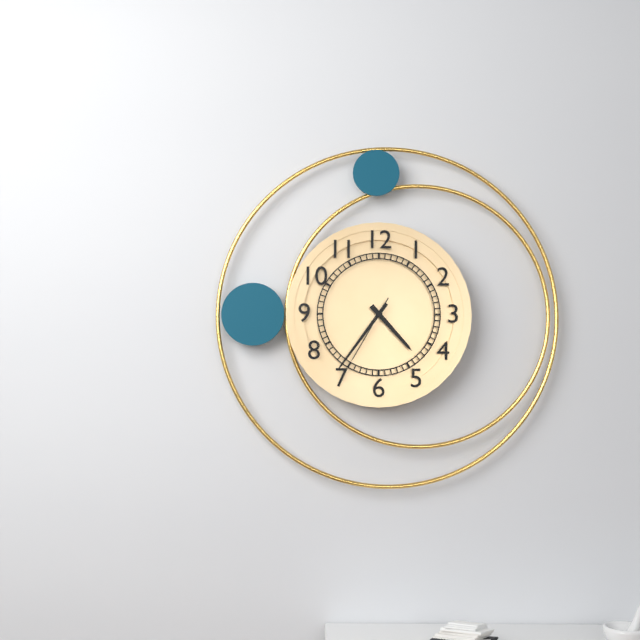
{"hour": 4, "minute": 36, "second": 35}
